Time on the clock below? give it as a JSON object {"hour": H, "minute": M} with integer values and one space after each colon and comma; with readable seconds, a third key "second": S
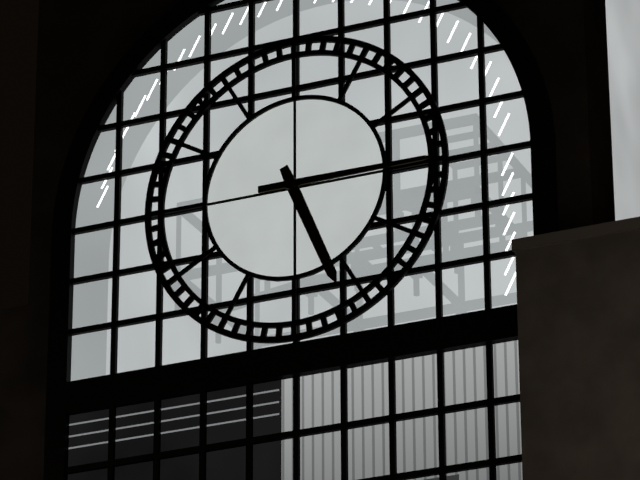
{"hour": 5, "minute": 15}
